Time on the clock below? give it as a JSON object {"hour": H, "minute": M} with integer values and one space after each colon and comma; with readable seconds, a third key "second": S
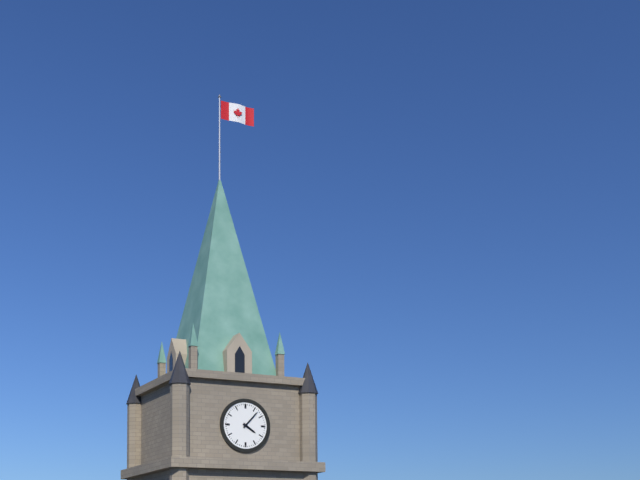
{"hour": 4, "minute": 7}
